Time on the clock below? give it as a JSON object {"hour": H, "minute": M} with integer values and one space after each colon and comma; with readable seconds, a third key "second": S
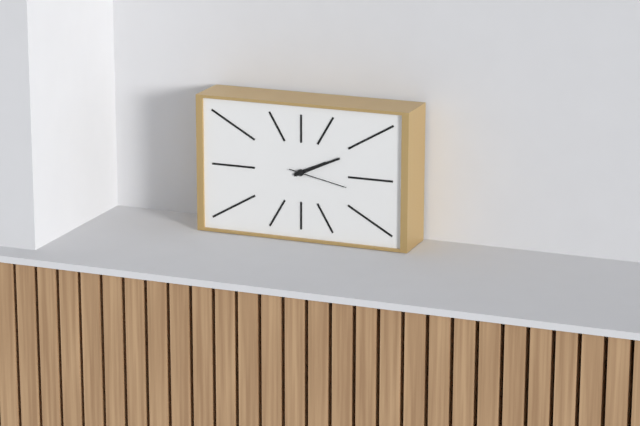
{"hour": 2, "minute": 11, "second": 17}
